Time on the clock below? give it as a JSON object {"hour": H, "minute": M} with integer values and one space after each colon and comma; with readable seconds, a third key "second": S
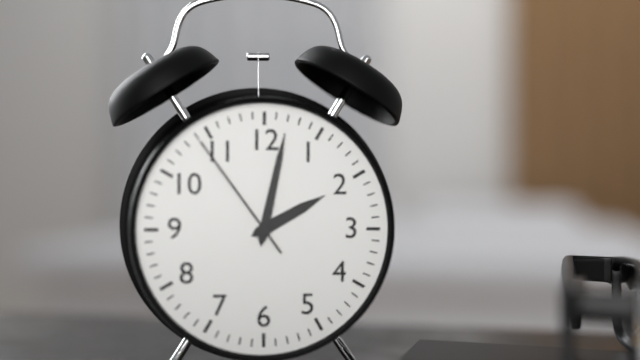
{"hour": 2, "minute": 2, "second": 54}
